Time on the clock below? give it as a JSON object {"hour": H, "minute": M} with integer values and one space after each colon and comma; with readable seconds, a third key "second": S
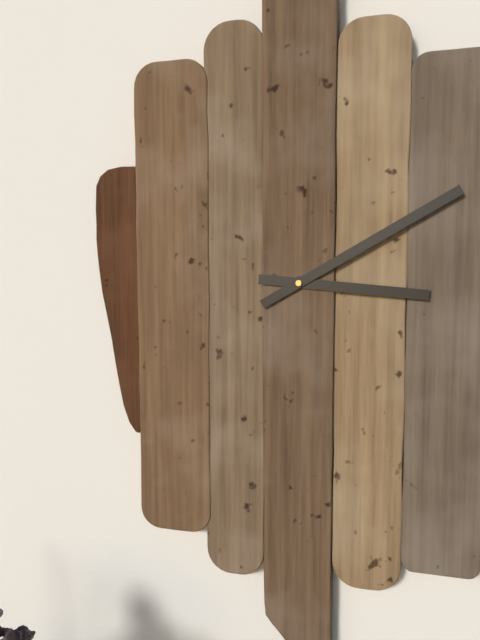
{"hour": 3, "minute": 10}
